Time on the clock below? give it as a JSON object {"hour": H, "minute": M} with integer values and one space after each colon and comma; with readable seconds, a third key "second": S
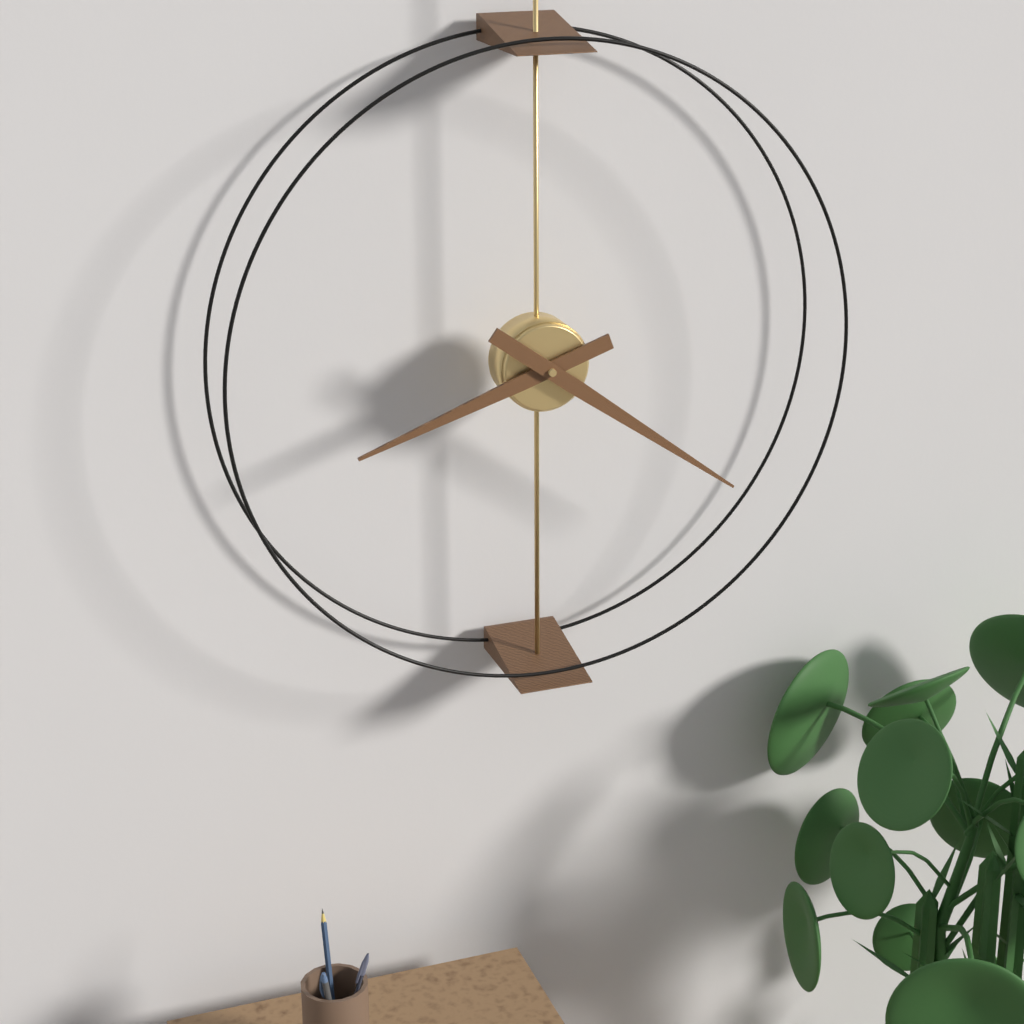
{"hour": 8, "minute": 21}
